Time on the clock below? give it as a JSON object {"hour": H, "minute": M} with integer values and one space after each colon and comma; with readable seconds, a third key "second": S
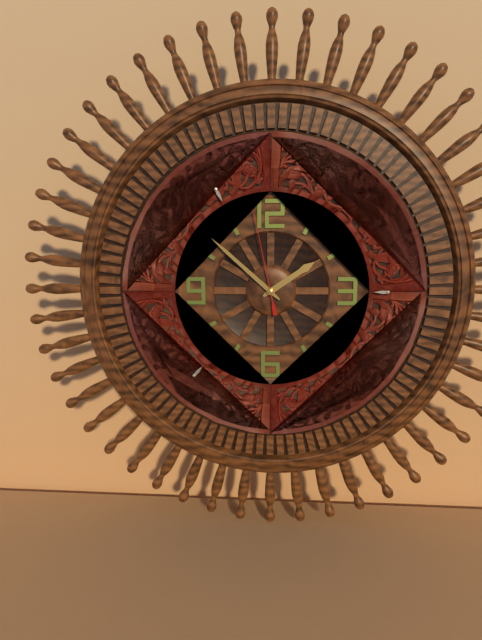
{"hour": 1, "minute": 52, "second": 58}
